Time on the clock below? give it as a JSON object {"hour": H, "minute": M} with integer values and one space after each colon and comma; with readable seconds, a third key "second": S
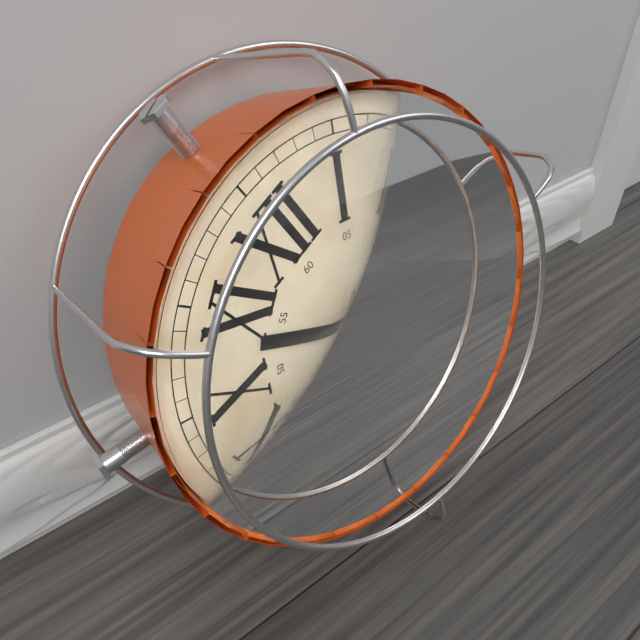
{"hour": 10, "minute": 36}
